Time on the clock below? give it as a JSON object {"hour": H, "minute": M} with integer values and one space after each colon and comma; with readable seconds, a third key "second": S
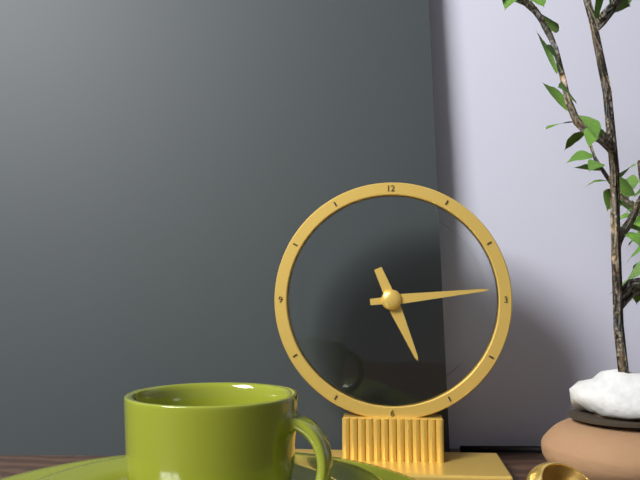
{"hour": 5, "minute": 14}
